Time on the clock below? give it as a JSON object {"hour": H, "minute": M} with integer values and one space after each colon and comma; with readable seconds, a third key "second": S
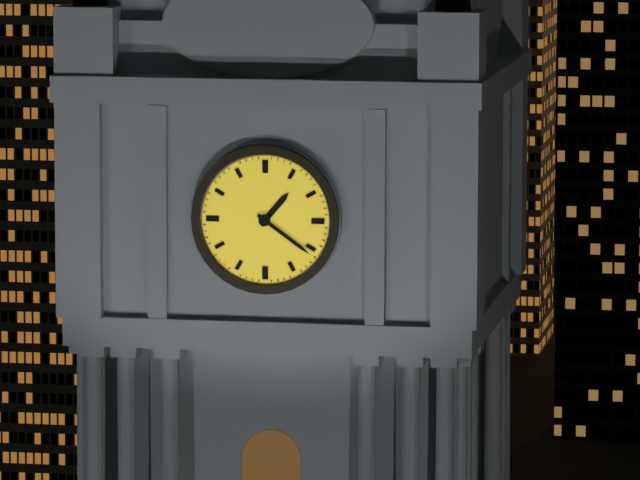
{"hour": 1, "minute": 21}
